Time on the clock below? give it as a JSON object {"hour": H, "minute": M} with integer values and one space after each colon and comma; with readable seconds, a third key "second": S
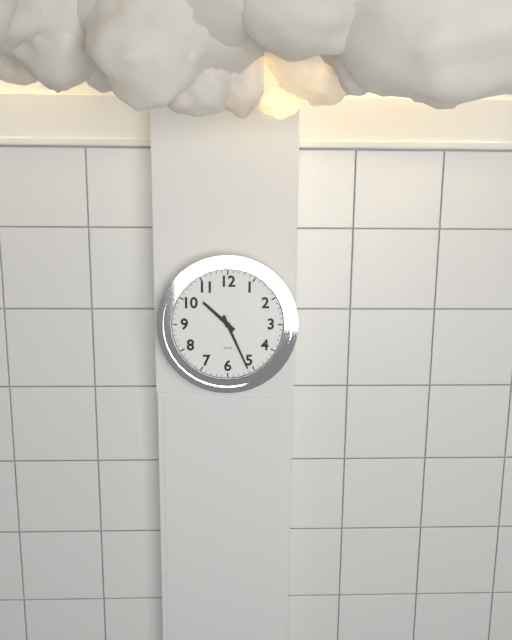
{"hour": 10, "minute": 26}
